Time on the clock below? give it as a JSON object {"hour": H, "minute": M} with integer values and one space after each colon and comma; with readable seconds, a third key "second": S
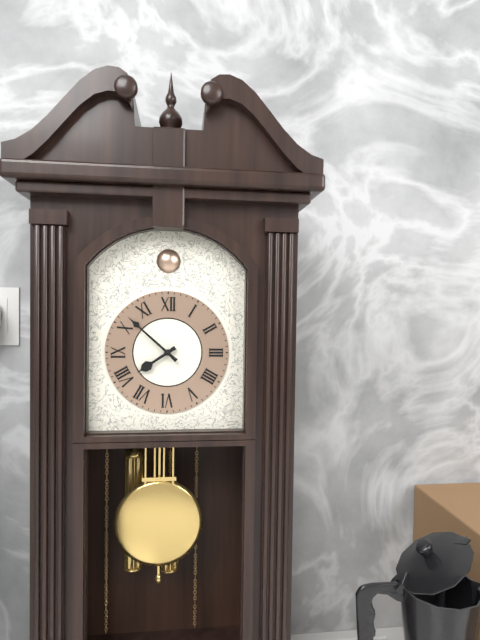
{"hour": 7, "minute": 52}
